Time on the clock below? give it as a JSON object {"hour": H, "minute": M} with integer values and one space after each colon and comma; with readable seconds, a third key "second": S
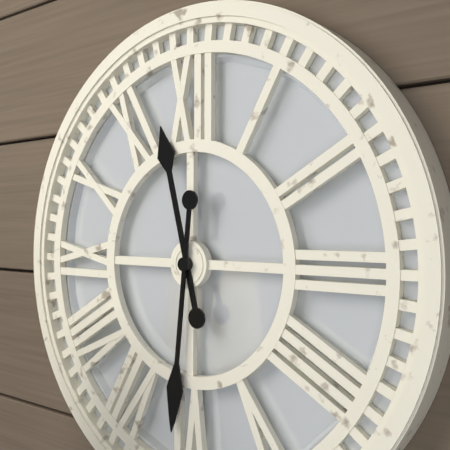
{"hour": 11, "minute": 31}
